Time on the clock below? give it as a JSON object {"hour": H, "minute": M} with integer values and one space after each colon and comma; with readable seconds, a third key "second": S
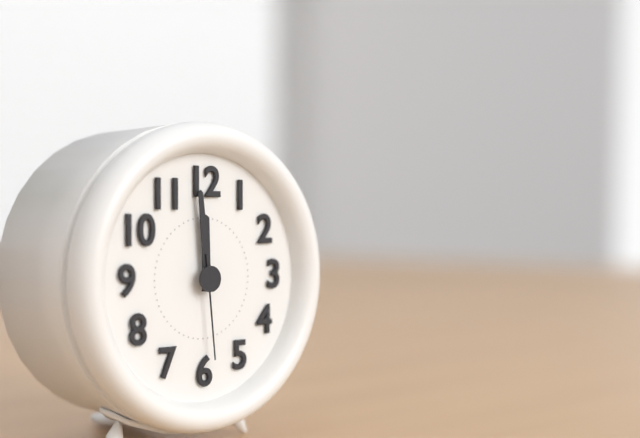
{"hour": 11, "minute": 59, "second": 29}
